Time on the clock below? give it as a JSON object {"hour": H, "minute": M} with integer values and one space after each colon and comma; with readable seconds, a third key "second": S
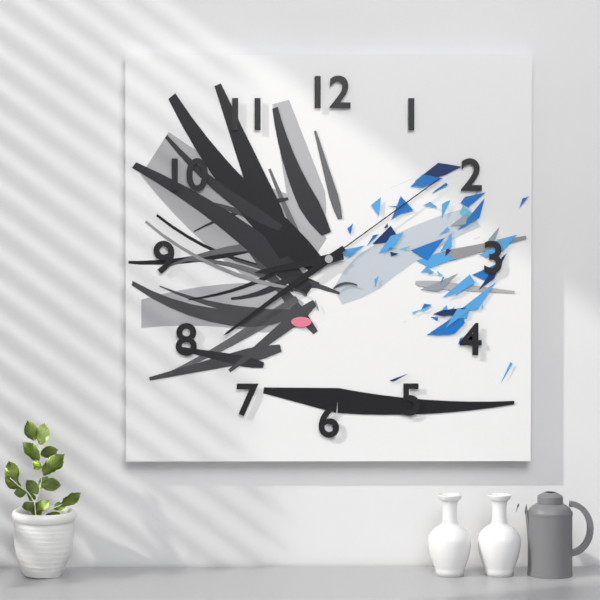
{"hour": 8, "minute": 39, "second": 9}
